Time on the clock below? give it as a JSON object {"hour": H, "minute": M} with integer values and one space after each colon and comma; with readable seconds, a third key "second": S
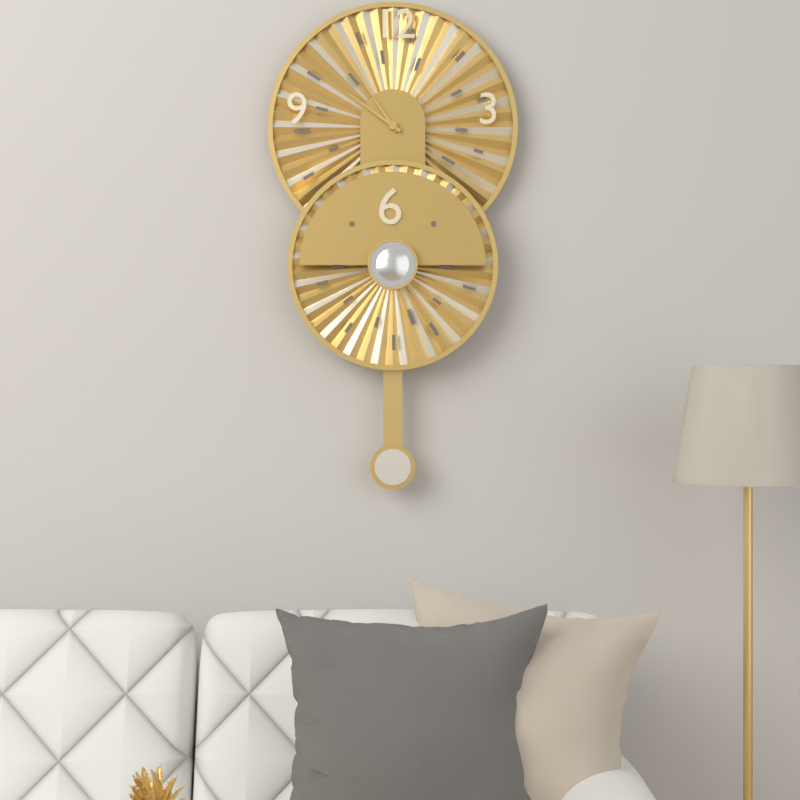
{"hour": 10, "minute": 51}
